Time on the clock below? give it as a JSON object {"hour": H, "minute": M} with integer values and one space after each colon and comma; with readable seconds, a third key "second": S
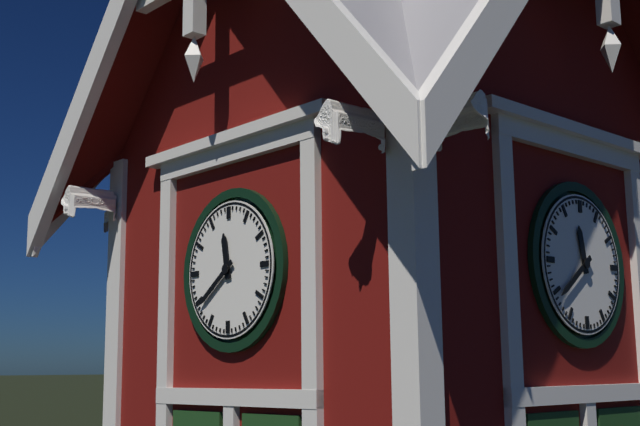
{"hour": 11, "minute": 39}
